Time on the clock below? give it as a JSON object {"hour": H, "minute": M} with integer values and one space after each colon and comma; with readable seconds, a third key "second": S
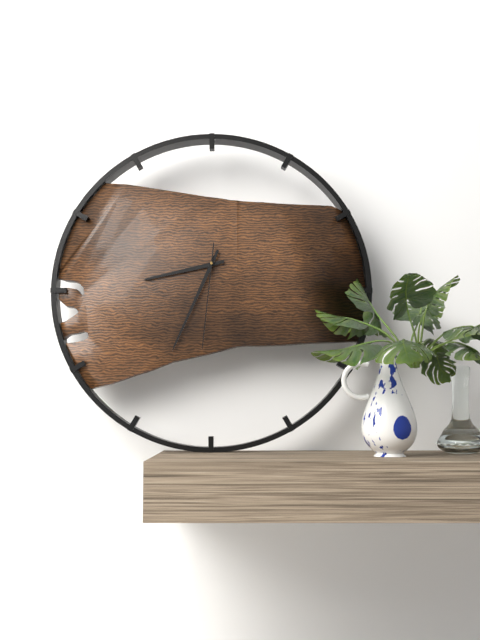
{"hour": 8, "minute": 34, "second": 31}
